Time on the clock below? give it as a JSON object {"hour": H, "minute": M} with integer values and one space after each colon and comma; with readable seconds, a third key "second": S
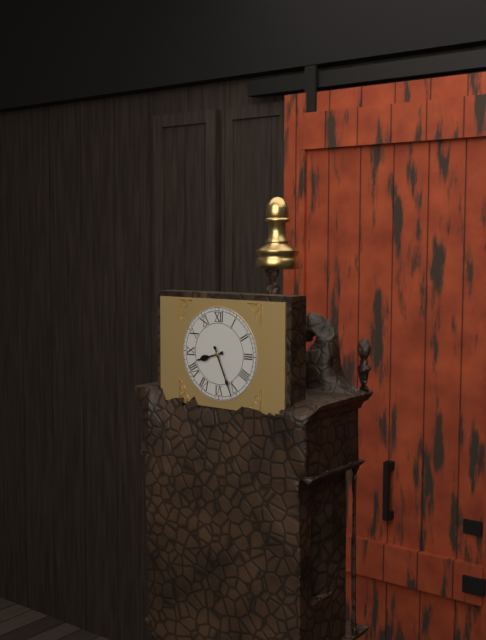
{"hour": 8, "minute": 26}
